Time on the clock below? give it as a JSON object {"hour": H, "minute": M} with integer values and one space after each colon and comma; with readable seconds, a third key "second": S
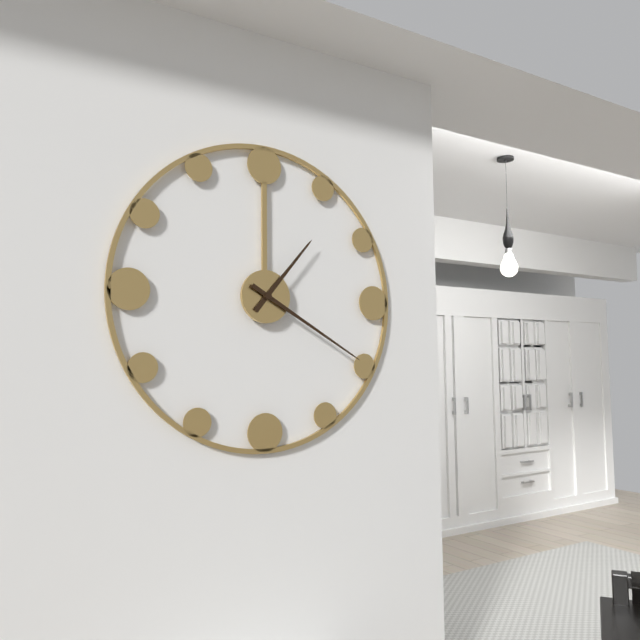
{"hour": 1, "minute": 20}
